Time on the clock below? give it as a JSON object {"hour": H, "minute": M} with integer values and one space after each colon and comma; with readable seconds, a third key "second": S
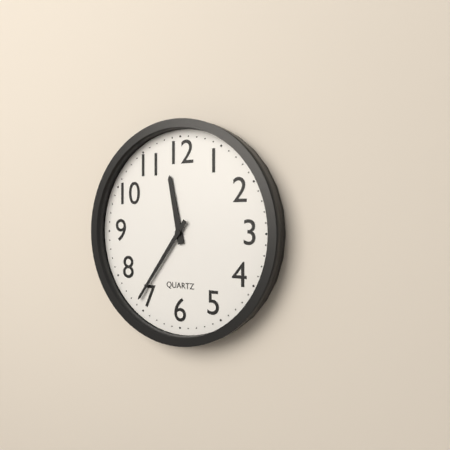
{"hour": 11, "minute": 36}
